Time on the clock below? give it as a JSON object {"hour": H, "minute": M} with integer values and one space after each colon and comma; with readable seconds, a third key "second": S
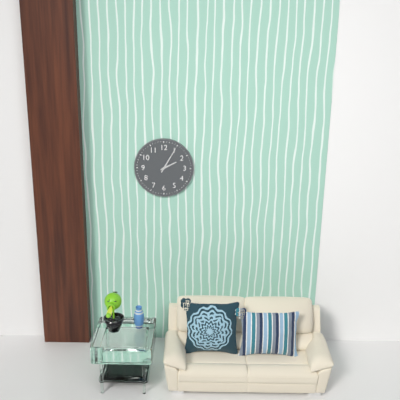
{"hour": 2, "minute": 5}
